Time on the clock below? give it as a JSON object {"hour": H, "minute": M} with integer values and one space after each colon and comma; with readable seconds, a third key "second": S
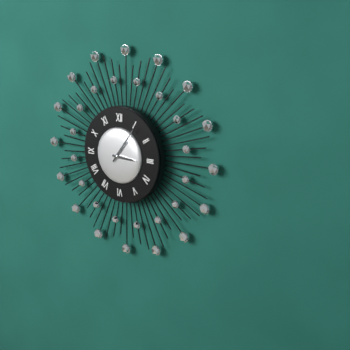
{"hour": 3, "minute": 6}
